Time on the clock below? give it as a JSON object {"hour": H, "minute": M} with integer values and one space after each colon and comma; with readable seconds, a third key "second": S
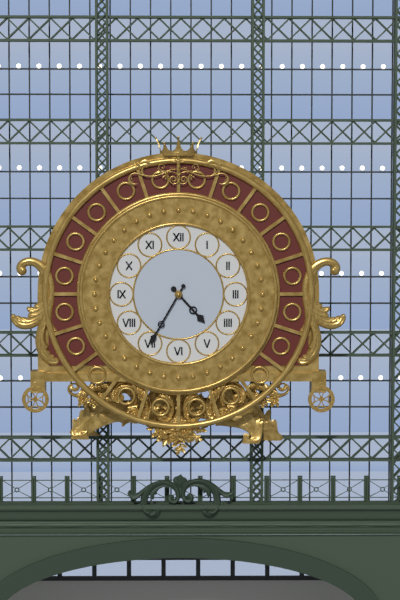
{"hour": 4, "minute": 35}
